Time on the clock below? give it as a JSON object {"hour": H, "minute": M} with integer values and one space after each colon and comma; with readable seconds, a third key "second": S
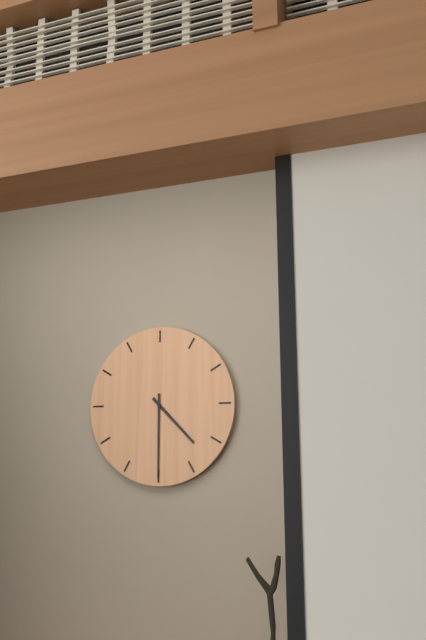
{"hour": 4, "minute": 30}
